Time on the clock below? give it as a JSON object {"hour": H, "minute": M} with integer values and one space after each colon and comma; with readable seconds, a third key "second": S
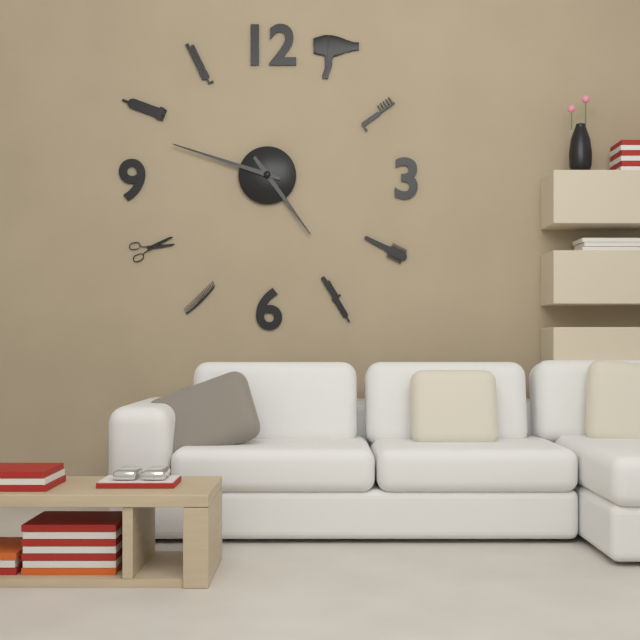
{"hour": 4, "minute": 48}
